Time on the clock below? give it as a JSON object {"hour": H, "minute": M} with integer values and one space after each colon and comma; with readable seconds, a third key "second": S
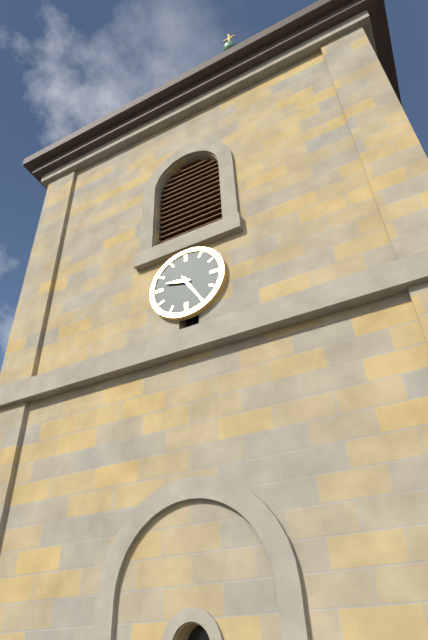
{"hour": 9, "minute": 25}
